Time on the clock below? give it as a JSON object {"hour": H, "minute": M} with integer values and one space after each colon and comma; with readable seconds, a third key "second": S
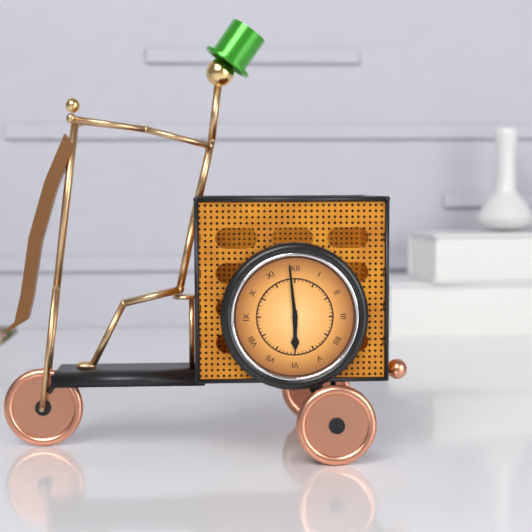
{"hour": 5, "minute": 59}
